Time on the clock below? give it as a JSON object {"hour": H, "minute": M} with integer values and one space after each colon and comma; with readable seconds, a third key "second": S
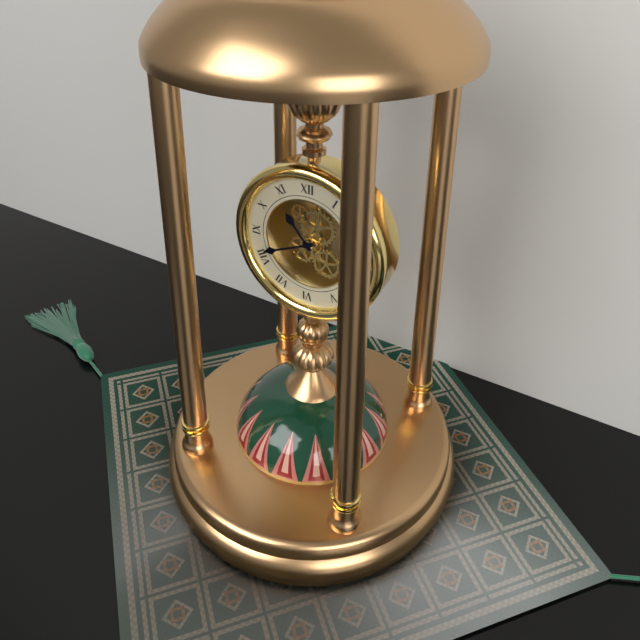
{"hour": 10, "minute": 41}
